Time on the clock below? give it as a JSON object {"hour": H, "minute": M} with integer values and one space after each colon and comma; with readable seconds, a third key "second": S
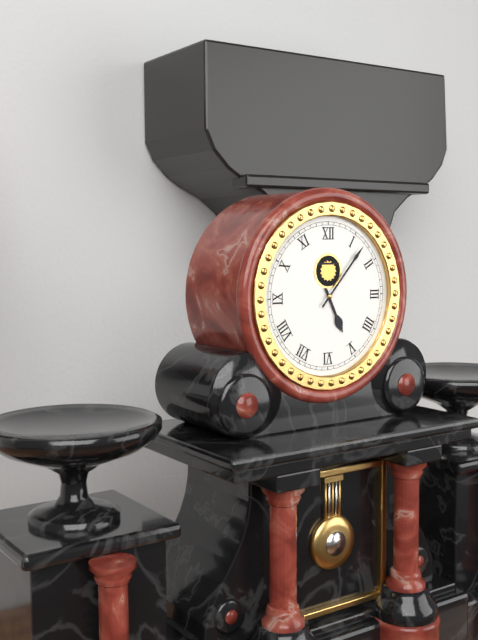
{"hour": 5, "minute": 7}
